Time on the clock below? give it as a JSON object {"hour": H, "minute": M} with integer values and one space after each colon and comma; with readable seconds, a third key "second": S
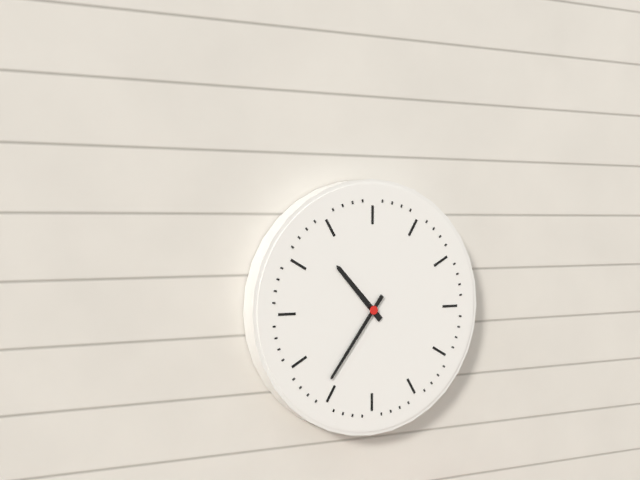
{"hour": 10, "minute": 36}
